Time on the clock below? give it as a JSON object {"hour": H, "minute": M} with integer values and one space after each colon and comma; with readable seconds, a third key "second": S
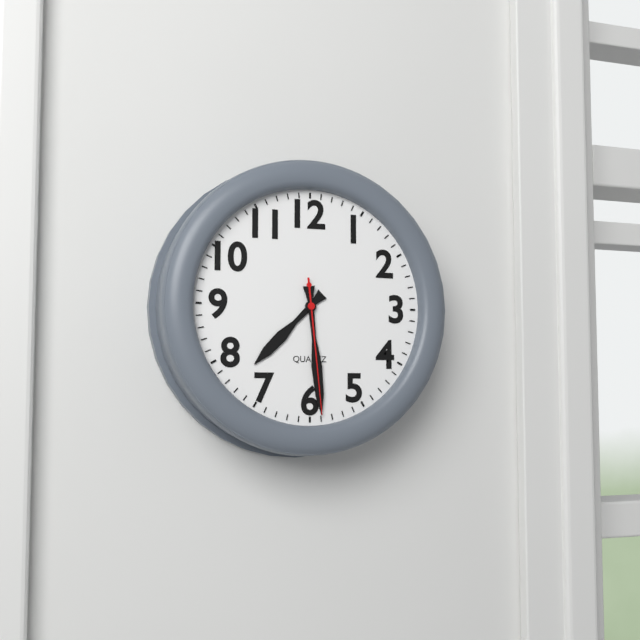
{"hour": 7, "minute": 29, "second": 29}
